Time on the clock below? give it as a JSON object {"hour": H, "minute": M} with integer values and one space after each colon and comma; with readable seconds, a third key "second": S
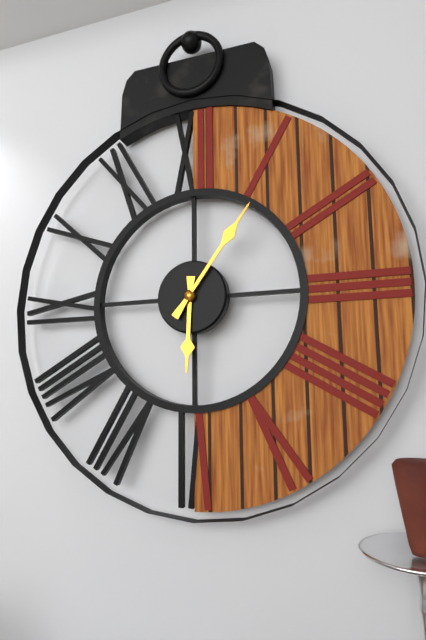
{"hour": 6, "minute": 6}
